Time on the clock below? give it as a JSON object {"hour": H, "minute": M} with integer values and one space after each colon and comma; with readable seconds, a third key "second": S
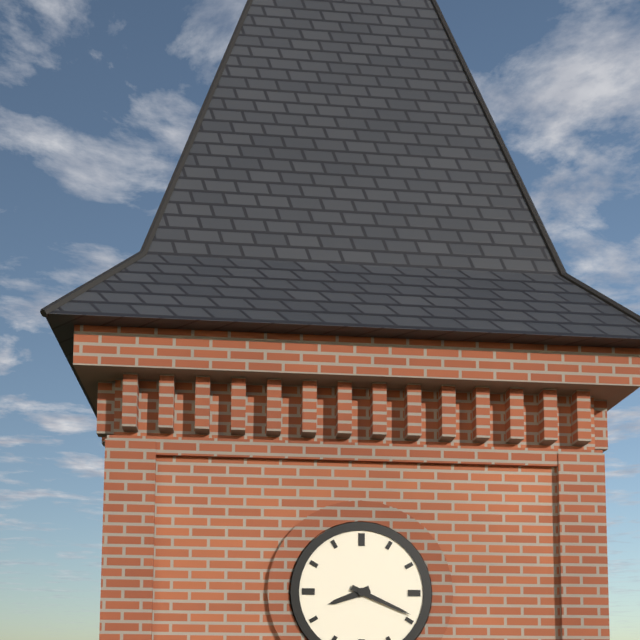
{"hour": 8, "minute": 19}
